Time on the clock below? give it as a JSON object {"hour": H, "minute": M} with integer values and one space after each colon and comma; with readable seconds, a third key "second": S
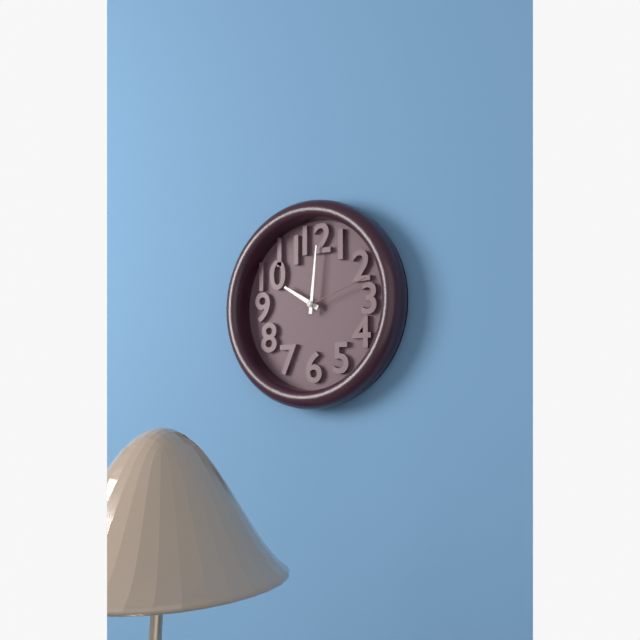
{"hour": 10, "minute": 1, "second": 12}
